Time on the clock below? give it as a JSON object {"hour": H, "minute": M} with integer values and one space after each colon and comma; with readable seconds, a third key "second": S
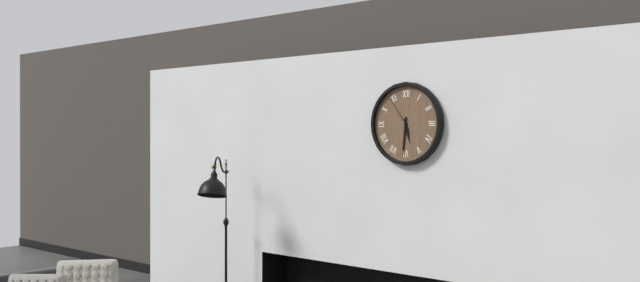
{"hour": 5, "minute": 31}
